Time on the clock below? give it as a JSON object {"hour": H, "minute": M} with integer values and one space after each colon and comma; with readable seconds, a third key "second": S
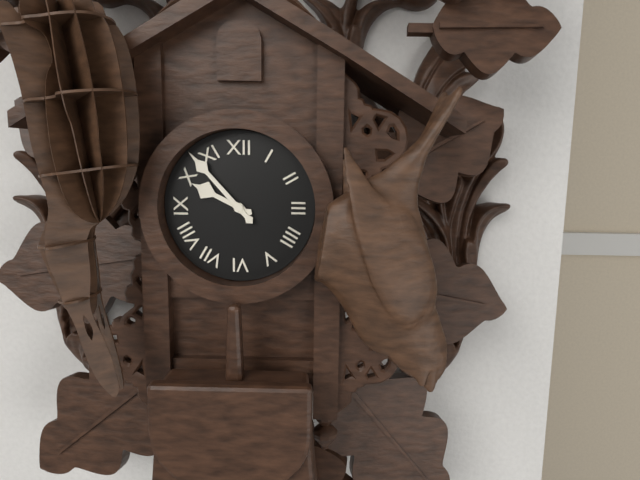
{"hour": 9, "minute": 53}
